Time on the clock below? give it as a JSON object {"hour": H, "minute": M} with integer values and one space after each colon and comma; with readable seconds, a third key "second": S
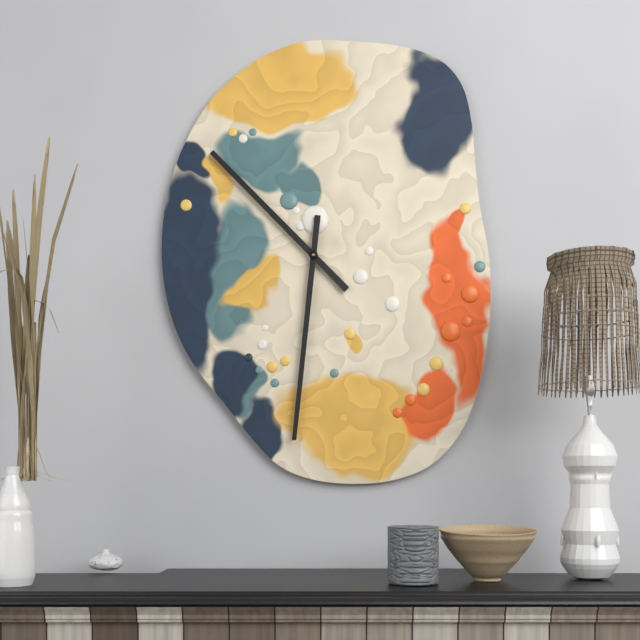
{"hour": 10, "minute": 31}
